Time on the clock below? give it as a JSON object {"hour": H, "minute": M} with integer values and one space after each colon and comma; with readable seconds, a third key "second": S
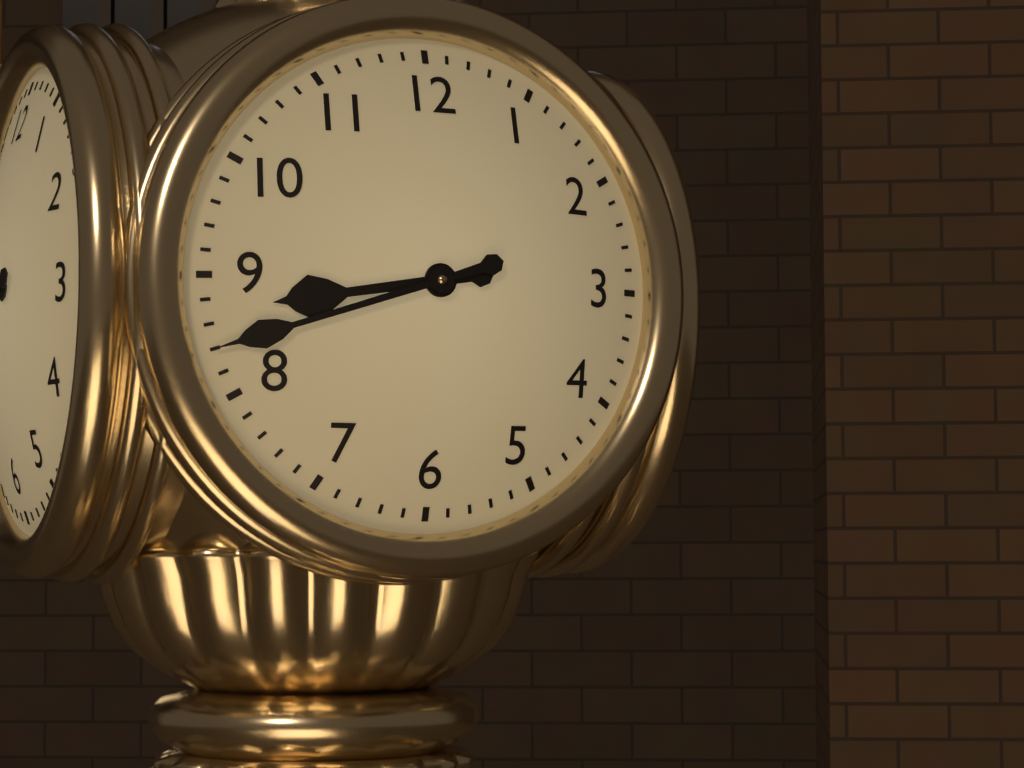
{"hour": 8, "minute": 42}
